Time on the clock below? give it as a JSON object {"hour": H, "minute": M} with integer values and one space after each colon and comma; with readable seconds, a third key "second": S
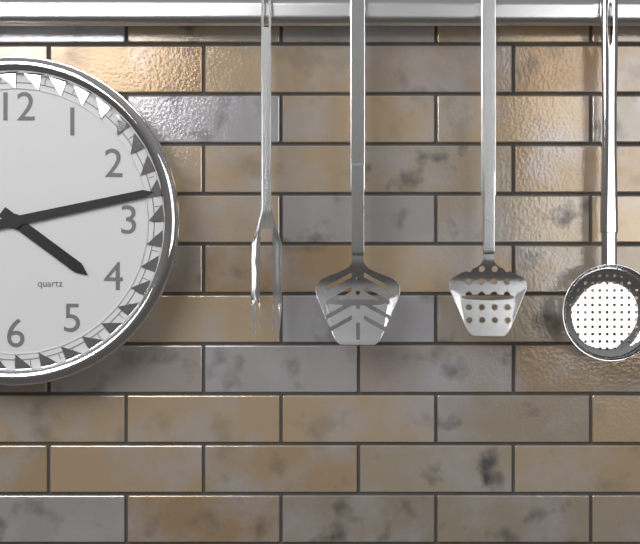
{"hour": 4, "minute": 13}
